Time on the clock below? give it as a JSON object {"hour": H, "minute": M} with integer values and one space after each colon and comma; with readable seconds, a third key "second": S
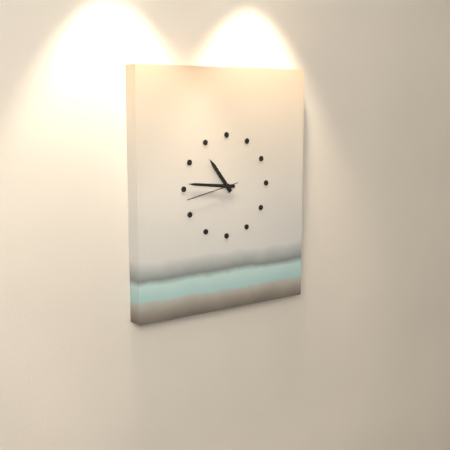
{"hour": 10, "minute": 46, "second": 43}
